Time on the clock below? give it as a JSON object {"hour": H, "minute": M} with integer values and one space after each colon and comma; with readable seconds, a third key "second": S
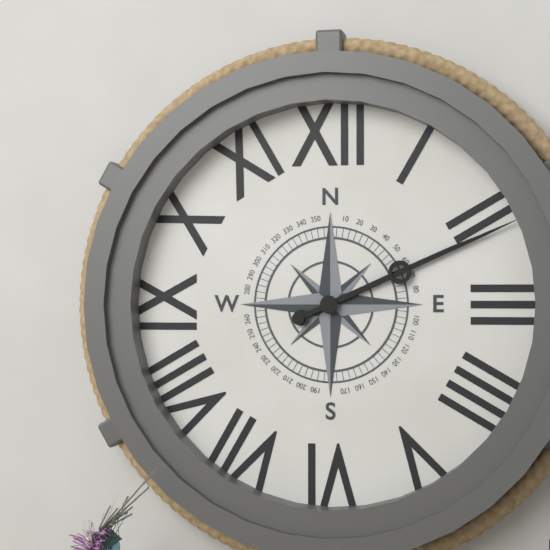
{"hour": 2, "minute": 11}
